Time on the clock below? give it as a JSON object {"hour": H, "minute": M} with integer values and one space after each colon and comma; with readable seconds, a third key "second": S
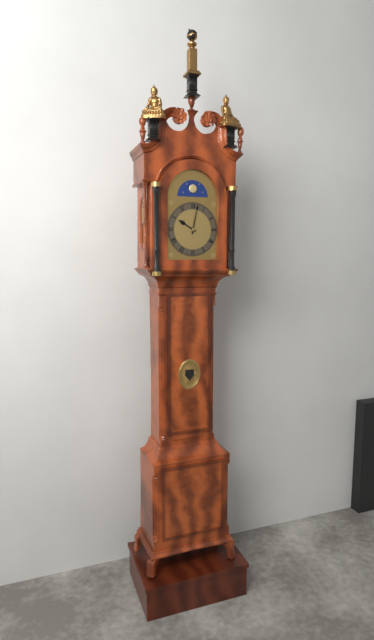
{"hour": 10, "minute": 2}
